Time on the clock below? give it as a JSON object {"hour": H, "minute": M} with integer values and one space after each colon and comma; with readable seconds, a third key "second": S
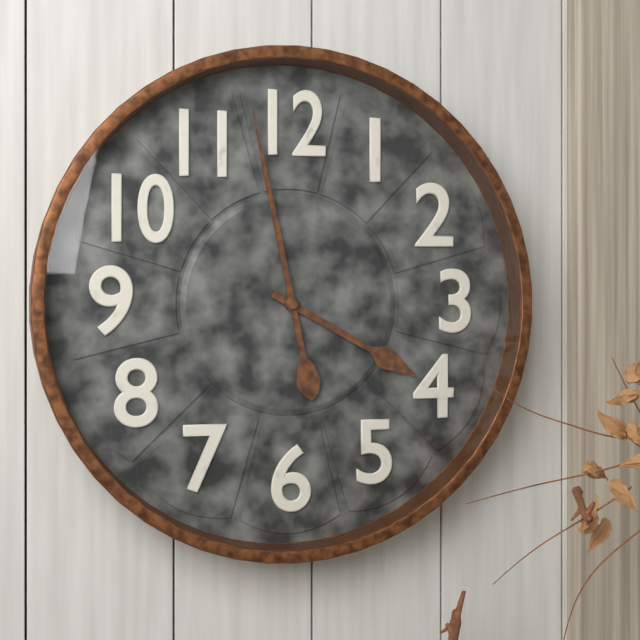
{"hour": 3, "minute": 58}
